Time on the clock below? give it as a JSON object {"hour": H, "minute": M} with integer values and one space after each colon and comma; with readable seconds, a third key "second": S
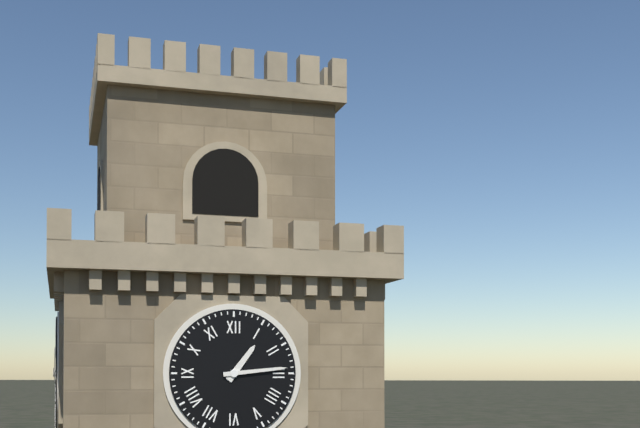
{"hour": 1, "minute": 14}
